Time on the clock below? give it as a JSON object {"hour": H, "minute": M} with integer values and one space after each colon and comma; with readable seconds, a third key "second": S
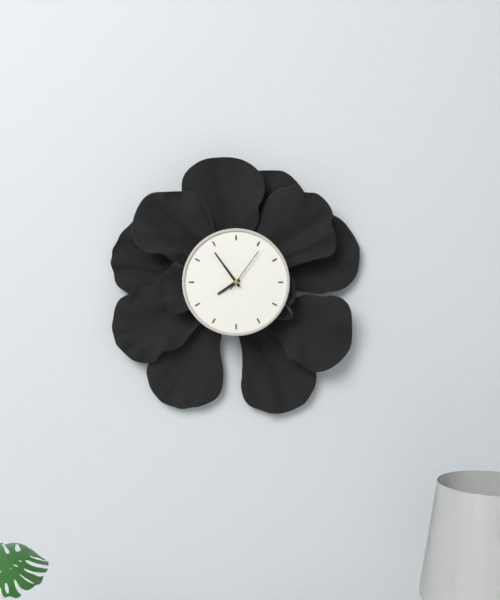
{"hour": 7, "minute": 54}
